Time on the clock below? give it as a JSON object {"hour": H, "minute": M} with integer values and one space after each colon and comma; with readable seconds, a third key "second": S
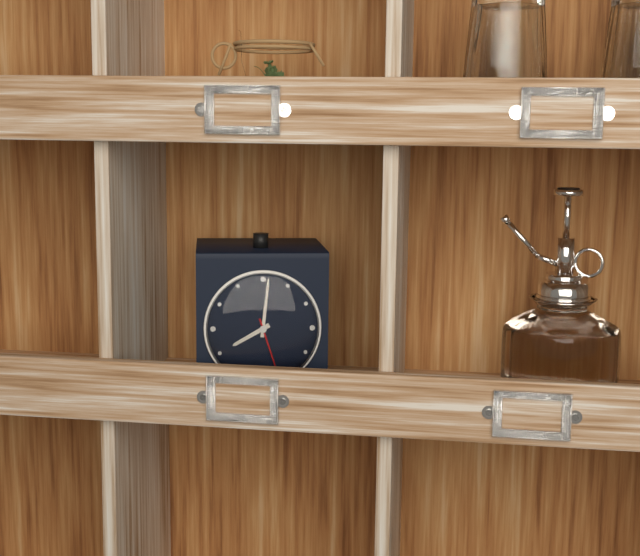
{"hour": 8, "minute": 1, "second": 27}
